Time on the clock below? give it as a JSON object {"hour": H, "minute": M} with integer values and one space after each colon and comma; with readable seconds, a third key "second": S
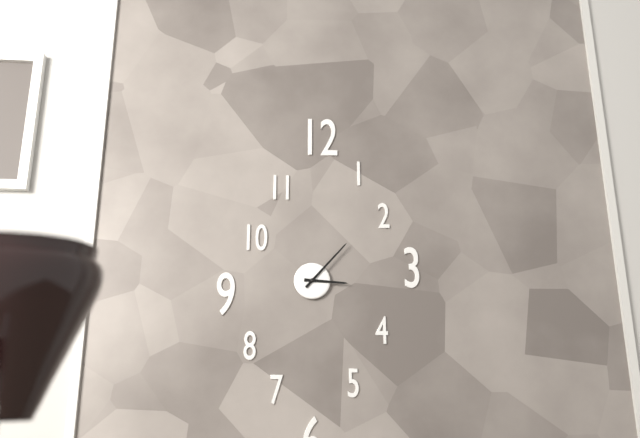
{"hour": 3, "minute": 7}
